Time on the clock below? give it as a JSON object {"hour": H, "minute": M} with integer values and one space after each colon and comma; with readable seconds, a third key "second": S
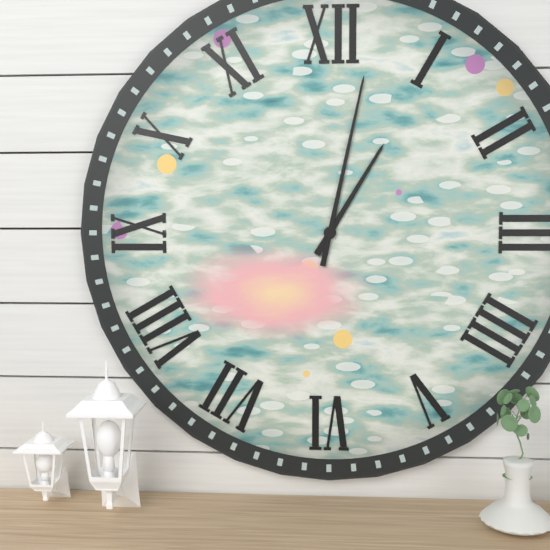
{"hour": 1, "minute": 2}
